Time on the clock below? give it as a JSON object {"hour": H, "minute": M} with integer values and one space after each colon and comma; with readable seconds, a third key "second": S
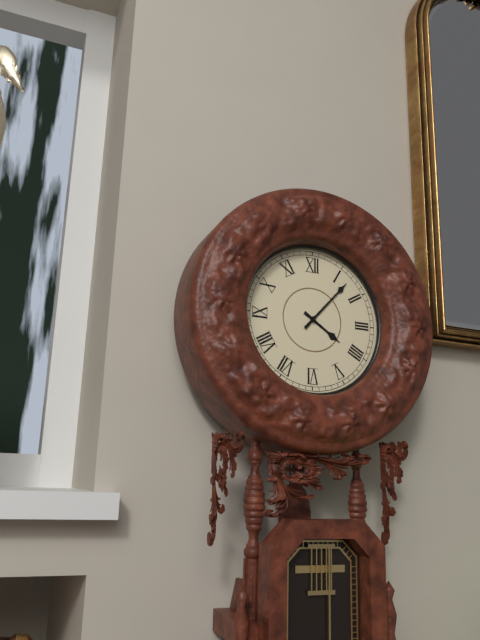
{"hour": 4, "minute": 7}
